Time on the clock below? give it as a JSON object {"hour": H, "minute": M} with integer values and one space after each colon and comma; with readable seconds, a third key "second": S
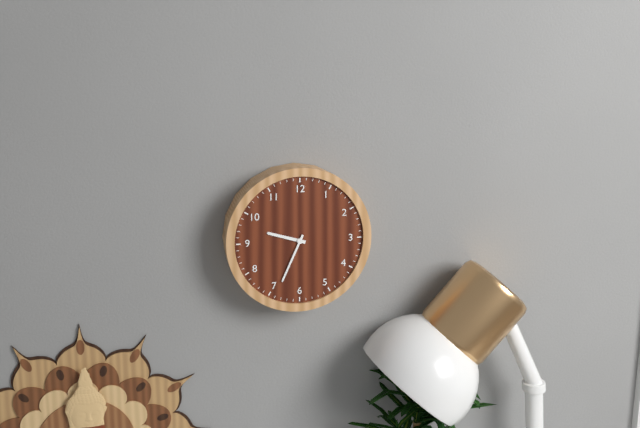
{"hour": 9, "minute": 34}
